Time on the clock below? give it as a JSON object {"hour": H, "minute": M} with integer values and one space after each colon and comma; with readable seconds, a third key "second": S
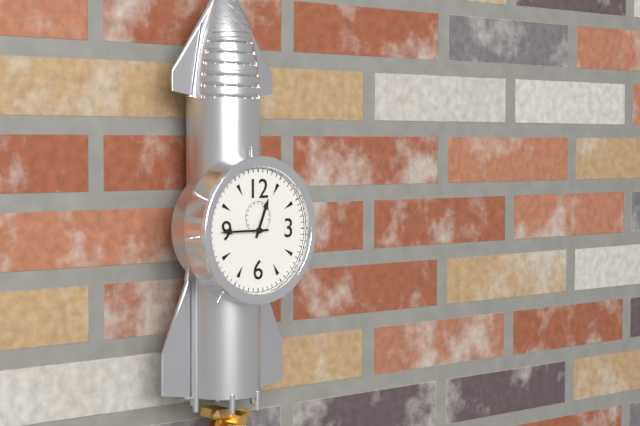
{"hour": 12, "minute": 45}
